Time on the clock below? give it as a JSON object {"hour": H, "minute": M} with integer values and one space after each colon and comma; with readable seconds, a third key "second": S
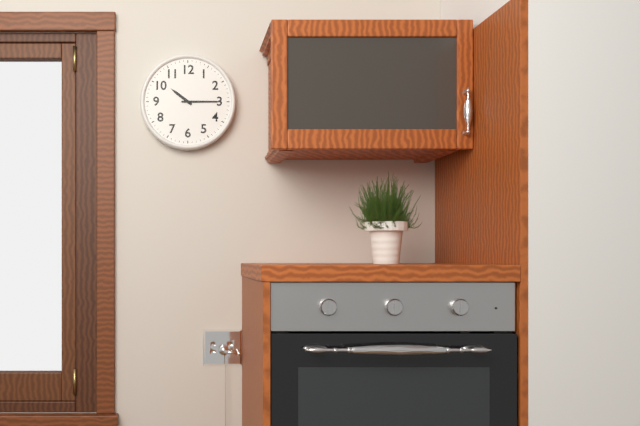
{"hour": 10, "minute": 15}
